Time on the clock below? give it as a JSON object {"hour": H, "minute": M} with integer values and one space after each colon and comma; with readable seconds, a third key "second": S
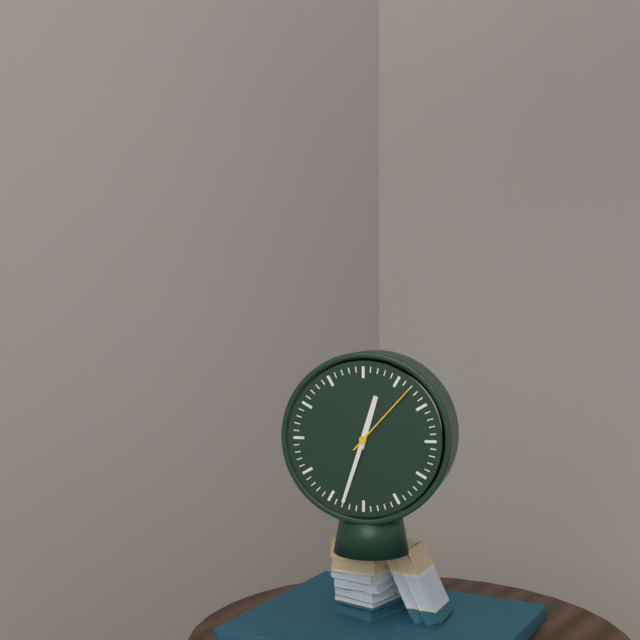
{"hour": 12, "minute": 33, "second": 7}
